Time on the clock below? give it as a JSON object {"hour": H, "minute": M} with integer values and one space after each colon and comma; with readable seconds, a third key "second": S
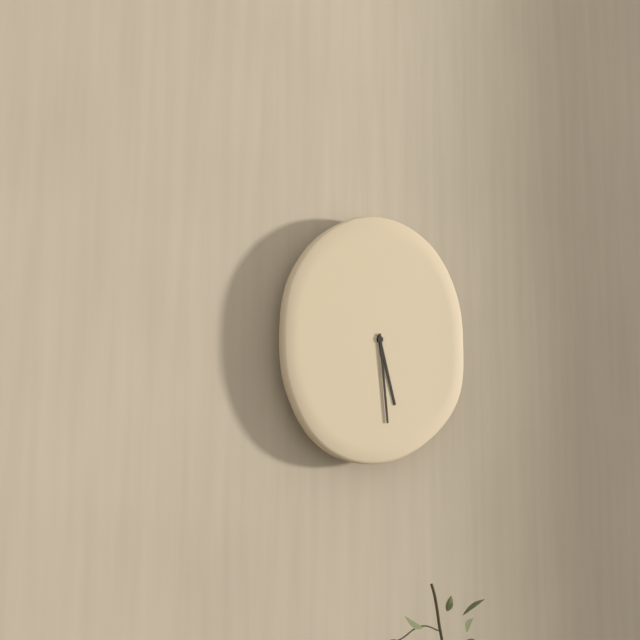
{"hour": 5, "minute": 29}
